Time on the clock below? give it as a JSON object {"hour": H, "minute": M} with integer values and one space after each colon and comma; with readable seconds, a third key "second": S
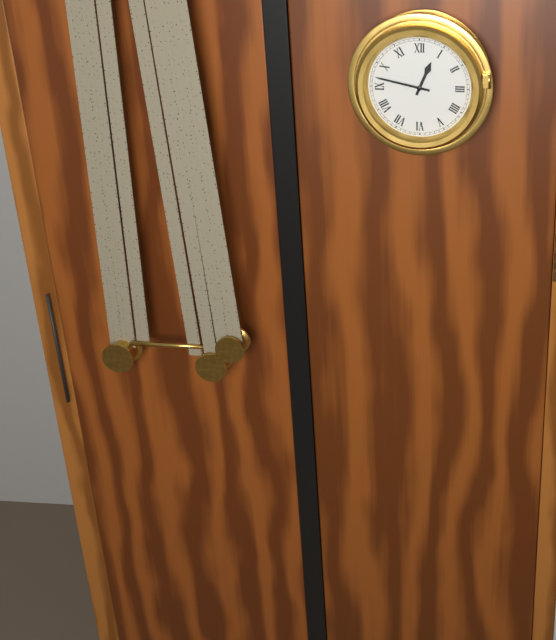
{"hour": 12, "minute": 47}
